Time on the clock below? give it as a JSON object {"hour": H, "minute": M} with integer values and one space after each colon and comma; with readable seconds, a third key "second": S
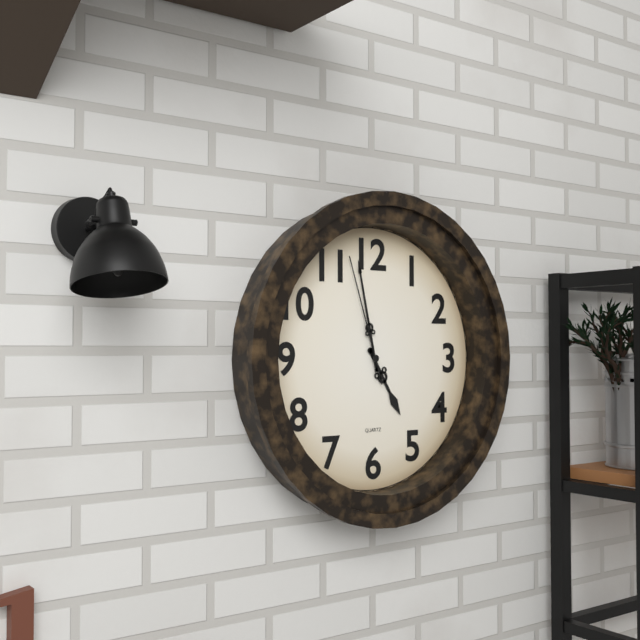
{"hour": 4, "minute": 58, "second": 57}
